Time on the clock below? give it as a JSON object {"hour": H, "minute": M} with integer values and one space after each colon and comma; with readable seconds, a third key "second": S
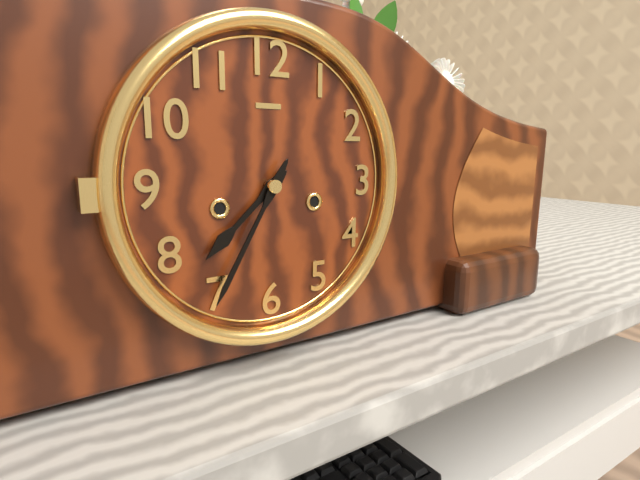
{"hour": 7, "minute": 35}
